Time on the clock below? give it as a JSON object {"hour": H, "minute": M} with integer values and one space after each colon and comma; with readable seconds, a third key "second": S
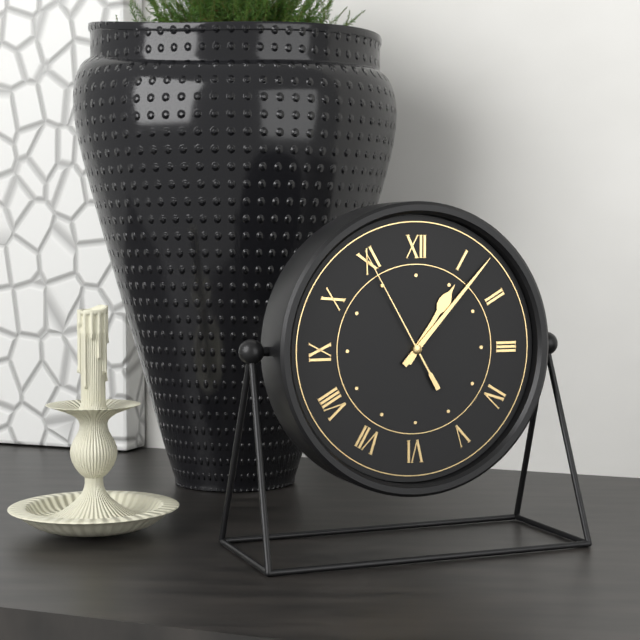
{"hour": 1, "minute": 7, "second": 55}
